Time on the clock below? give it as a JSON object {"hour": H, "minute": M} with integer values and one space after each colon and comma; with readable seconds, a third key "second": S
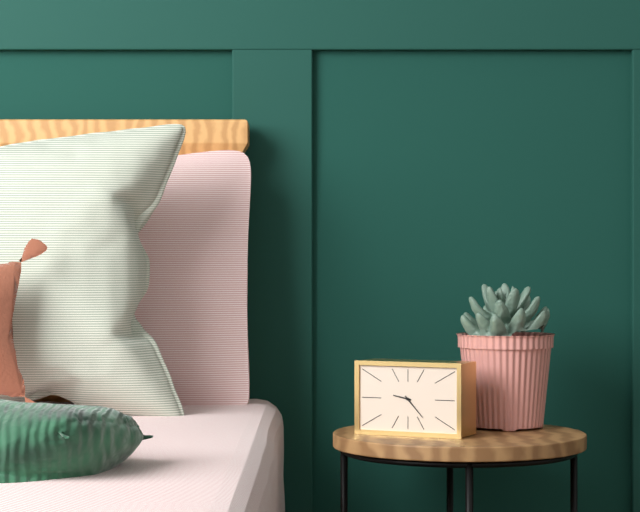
{"hour": 9, "minute": 23}
